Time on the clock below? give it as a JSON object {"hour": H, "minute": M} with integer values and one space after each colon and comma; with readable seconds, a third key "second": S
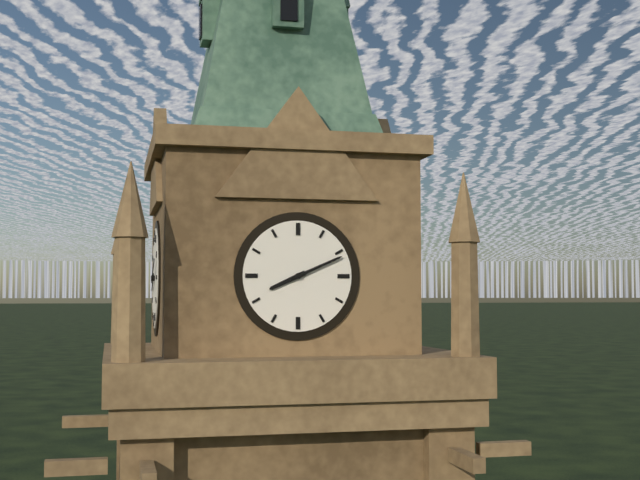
{"hour": 8, "minute": 11}
